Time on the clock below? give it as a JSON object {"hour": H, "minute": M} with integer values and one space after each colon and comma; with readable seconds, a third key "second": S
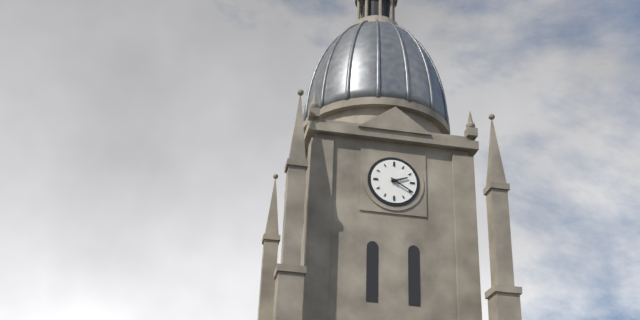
{"hour": 2, "minute": 20}
